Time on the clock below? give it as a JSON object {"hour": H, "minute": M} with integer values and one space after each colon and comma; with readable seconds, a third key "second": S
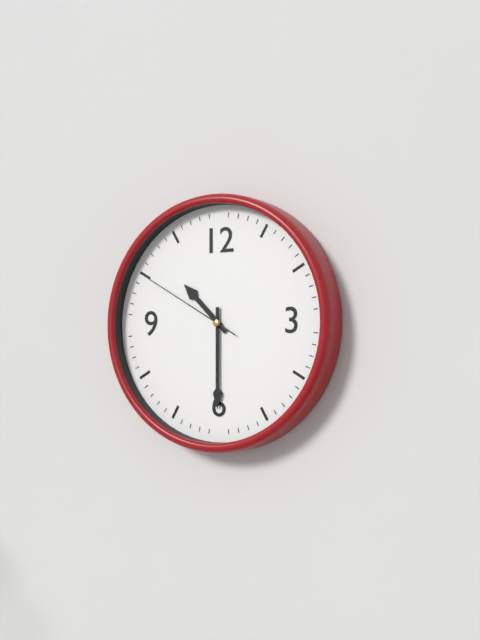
{"hour": 10, "minute": 30, "second": 50}
